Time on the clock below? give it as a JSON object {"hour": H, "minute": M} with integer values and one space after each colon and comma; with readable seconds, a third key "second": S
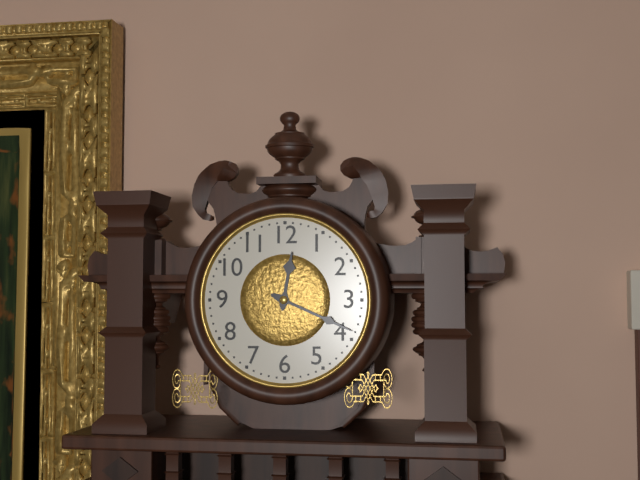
{"hour": 12, "minute": 19}
